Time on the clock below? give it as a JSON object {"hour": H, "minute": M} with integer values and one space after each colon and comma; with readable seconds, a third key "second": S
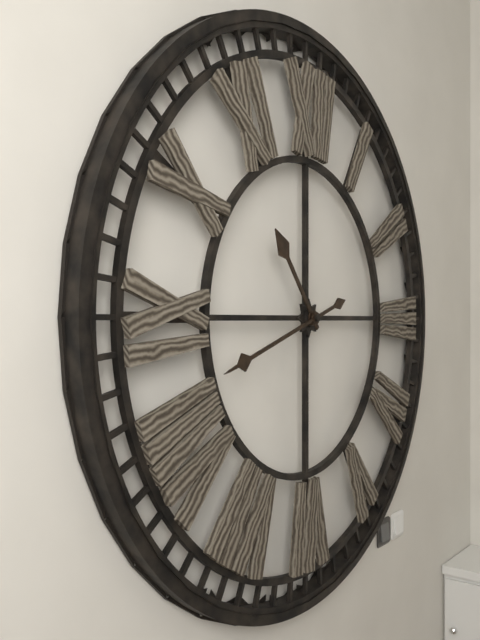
{"hour": 10, "minute": 42}
